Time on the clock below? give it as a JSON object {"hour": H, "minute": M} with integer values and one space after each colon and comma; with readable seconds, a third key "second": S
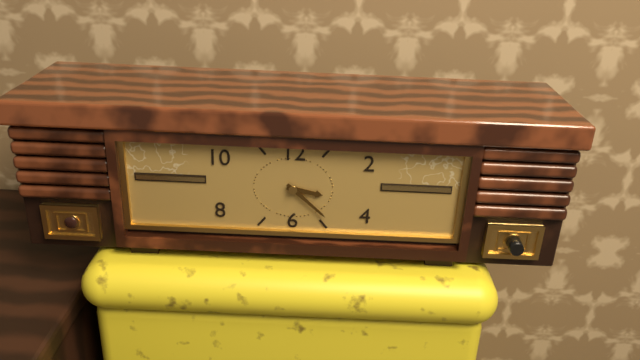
{"hour": 3, "minute": 22}
